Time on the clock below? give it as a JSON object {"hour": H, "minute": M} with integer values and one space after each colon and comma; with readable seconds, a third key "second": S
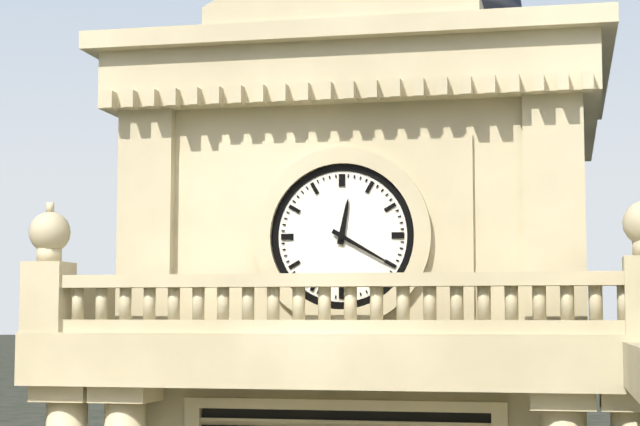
{"hour": 12, "minute": 20}
